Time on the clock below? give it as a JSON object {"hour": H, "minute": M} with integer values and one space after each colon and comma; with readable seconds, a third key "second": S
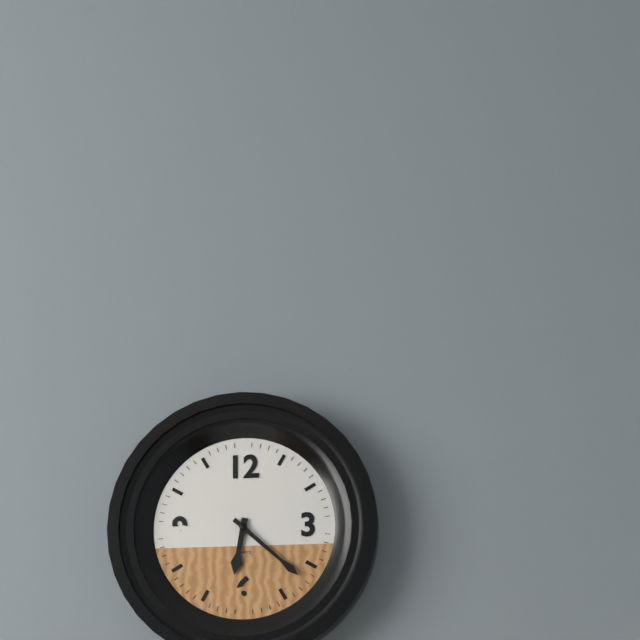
{"hour": 6, "minute": 22}
